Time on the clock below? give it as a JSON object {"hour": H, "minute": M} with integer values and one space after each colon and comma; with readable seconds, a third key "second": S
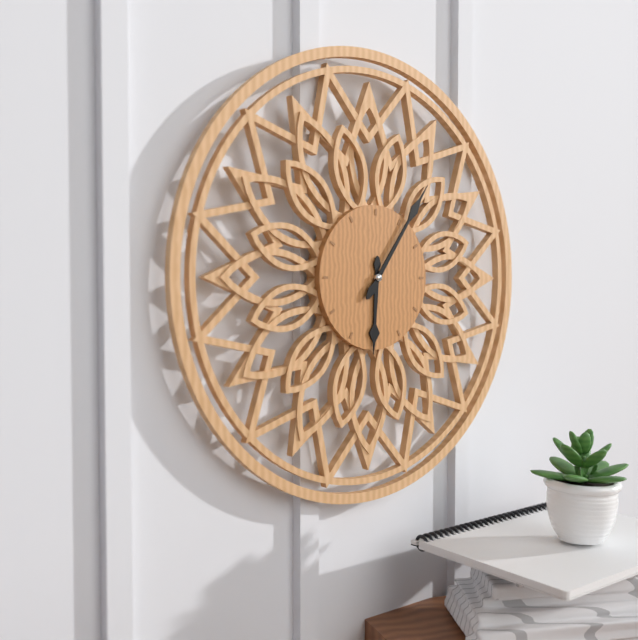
{"hour": 6, "minute": 6}
